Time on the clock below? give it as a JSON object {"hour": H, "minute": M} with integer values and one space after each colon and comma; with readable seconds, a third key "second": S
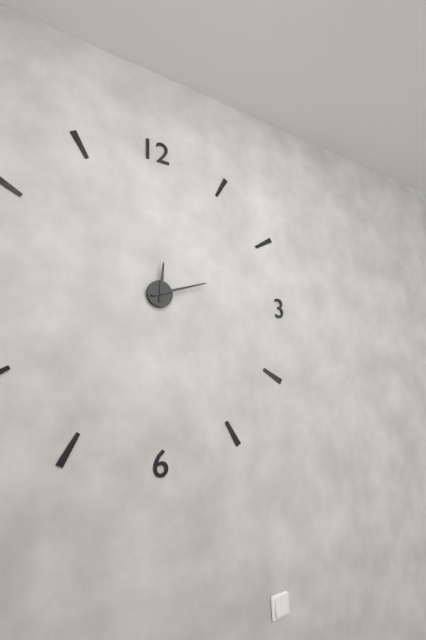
{"hour": 12, "minute": 12}
